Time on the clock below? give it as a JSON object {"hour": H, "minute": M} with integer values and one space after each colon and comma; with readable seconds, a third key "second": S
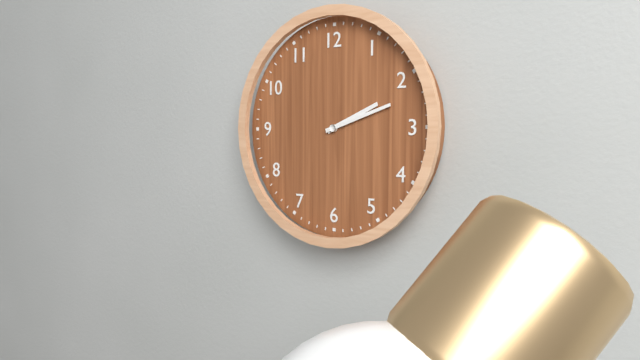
{"hour": 2, "minute": 12}
